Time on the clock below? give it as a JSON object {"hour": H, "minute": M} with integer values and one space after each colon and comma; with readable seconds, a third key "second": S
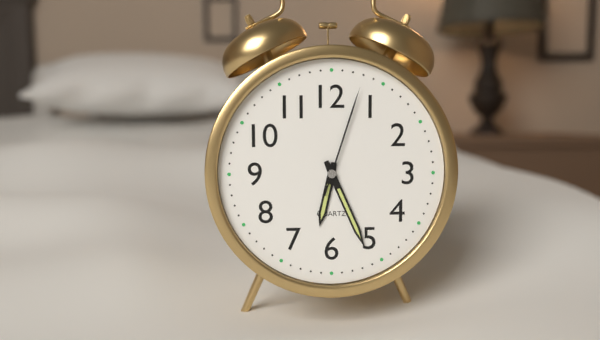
{"hour": 6, "minute": 26, "second": 3}
